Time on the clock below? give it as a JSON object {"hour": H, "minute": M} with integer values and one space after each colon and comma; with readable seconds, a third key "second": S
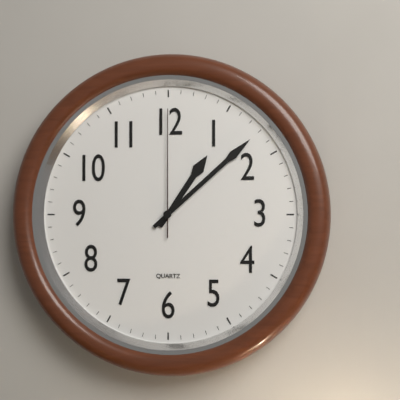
{"hour": 1, "minute": 8, "second": 0}
